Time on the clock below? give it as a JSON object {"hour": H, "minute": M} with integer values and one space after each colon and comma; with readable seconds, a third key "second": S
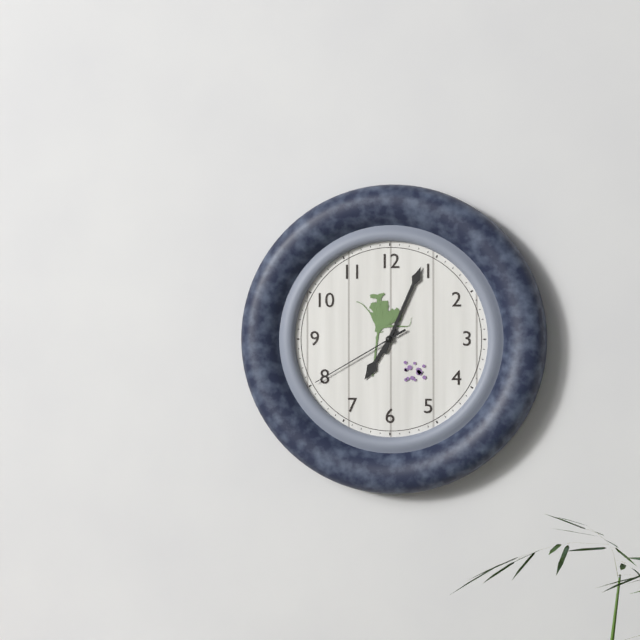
{"hour": 7, "minute": 4, "second": 40}
